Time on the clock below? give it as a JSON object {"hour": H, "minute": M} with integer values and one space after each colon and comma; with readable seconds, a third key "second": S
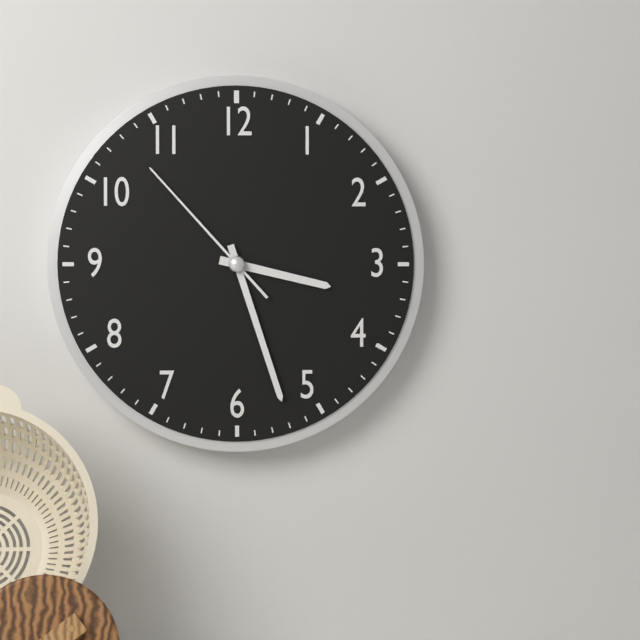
{"hour": 3, "minute": 27, "second": 53}
